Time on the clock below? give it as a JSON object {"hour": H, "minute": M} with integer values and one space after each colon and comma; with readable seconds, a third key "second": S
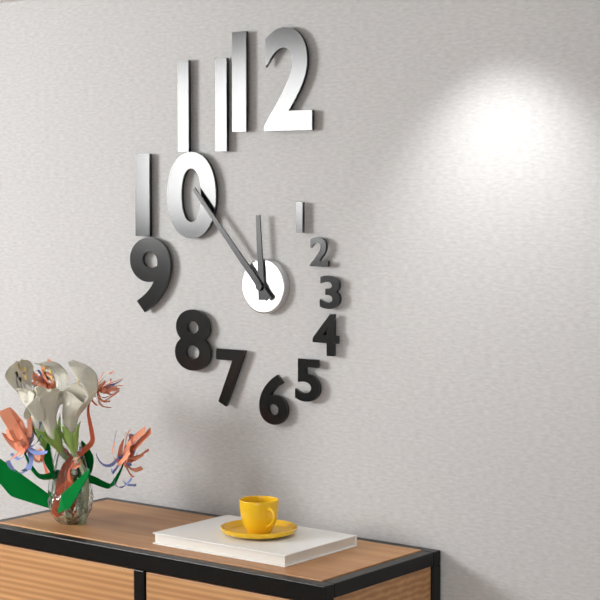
{"hour": 11, "minute": 53}
